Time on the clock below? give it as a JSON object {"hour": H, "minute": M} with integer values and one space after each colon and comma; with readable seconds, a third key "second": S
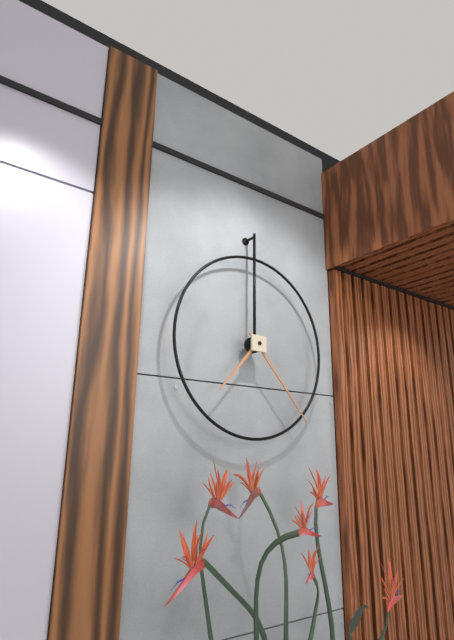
{"hour": 7, "minute": 23}
